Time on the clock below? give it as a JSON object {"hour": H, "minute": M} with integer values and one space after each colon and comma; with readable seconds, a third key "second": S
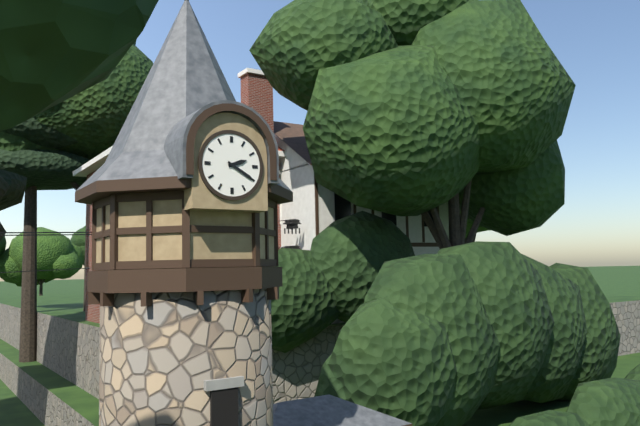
{"hour": 2, "minute": 20}
